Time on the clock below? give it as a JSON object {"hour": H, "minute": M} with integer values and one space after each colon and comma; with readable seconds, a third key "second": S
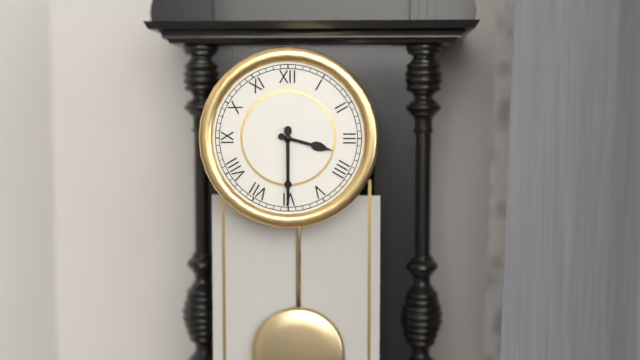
{"hour": 3, "minute": 30}
